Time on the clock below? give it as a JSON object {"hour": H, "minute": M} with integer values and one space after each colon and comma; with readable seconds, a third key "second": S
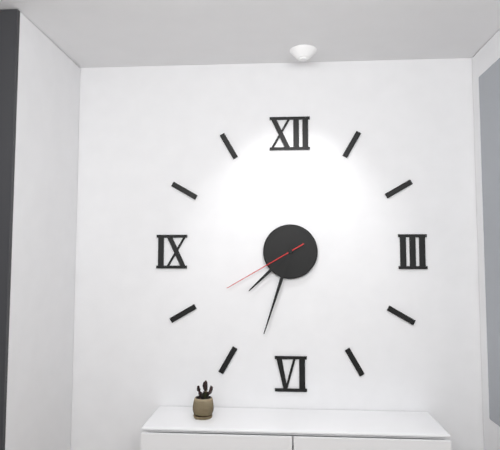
{"hour": 7, "minute": 33, "second": 40}
